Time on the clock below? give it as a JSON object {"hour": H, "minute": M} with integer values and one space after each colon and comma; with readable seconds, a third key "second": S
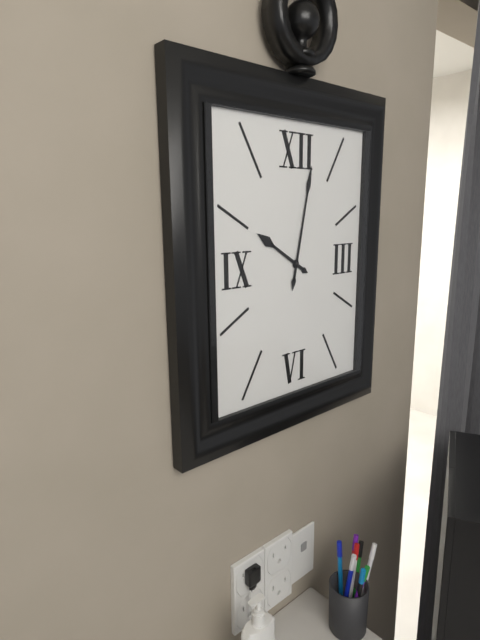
{"hour": 10, "minute": 2}
